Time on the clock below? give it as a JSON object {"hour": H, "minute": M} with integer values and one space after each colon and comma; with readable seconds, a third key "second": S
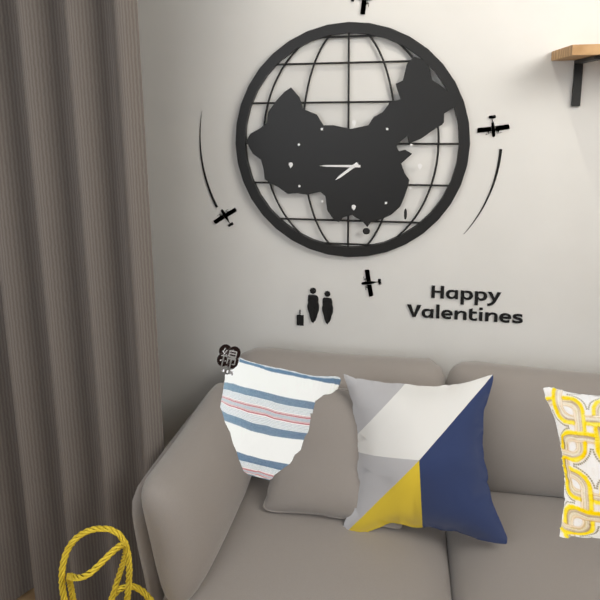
{"hour": 7, "minute": 45}
